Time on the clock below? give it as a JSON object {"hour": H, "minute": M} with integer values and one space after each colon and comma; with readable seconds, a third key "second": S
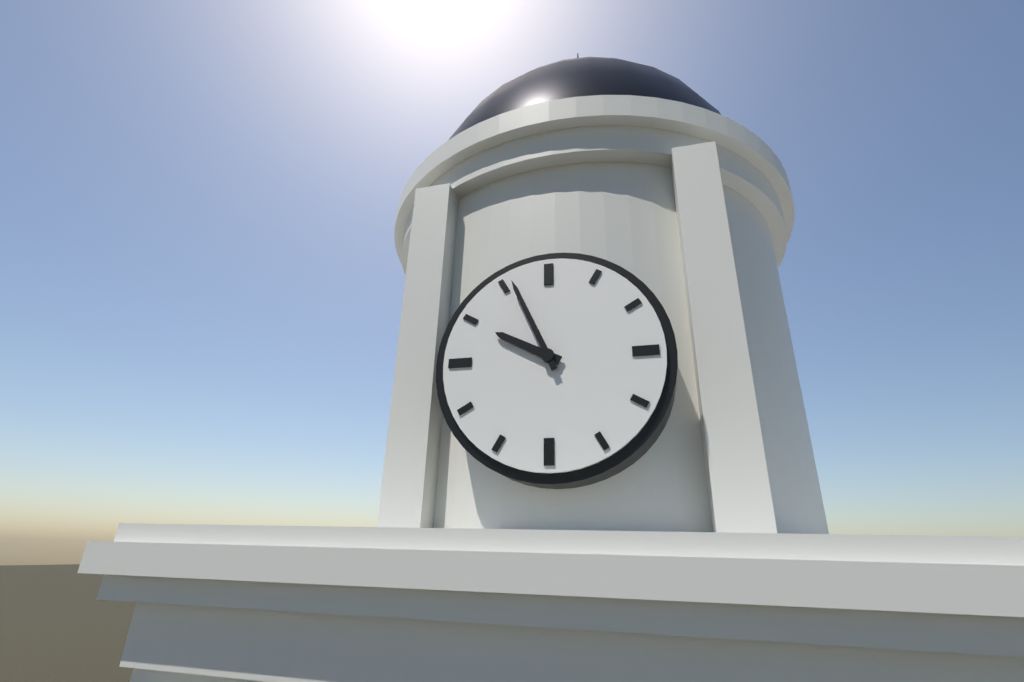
{"hour": 9, "minute": 56}
